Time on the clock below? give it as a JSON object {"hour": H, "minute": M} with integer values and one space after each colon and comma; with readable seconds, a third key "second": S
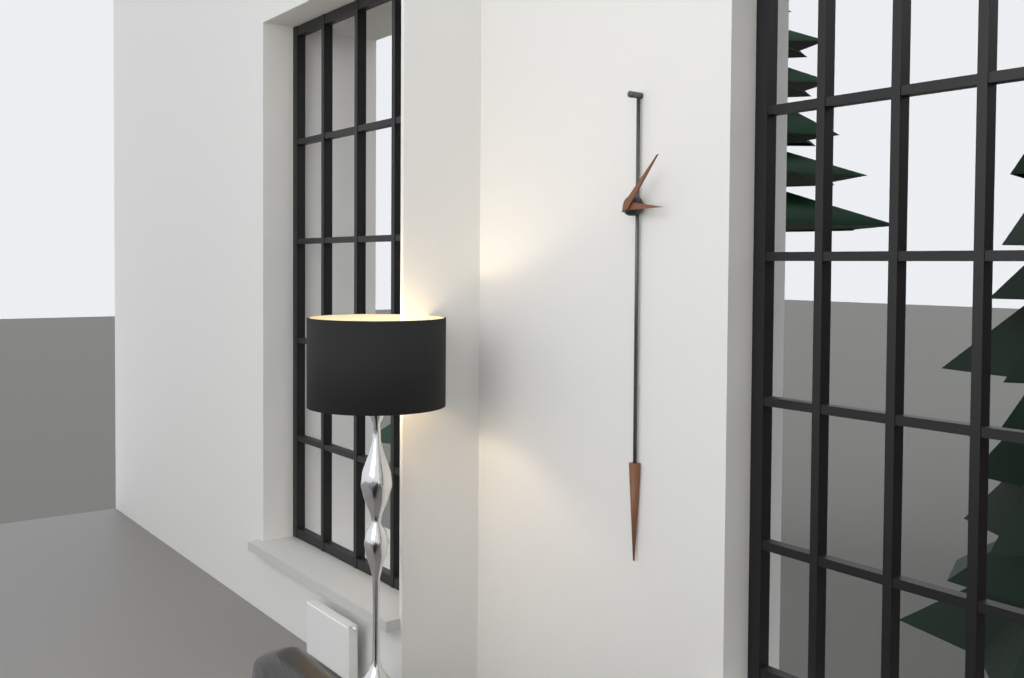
{"hour": 3, "minute": 7}
